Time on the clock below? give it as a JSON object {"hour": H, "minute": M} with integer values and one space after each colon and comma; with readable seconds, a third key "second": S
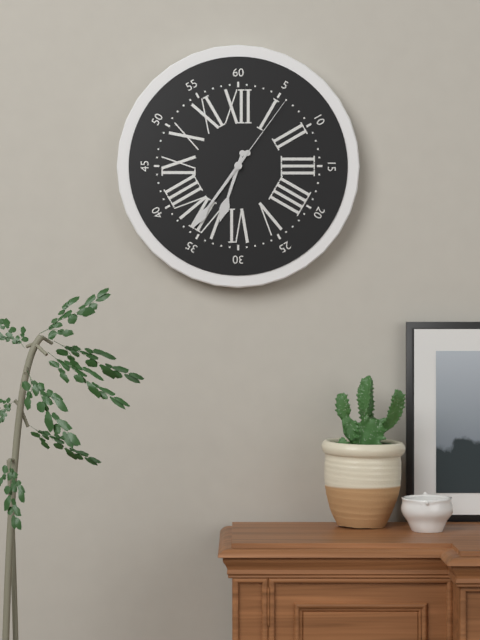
{"hour": 6, "minute": 36, "second": 6}
